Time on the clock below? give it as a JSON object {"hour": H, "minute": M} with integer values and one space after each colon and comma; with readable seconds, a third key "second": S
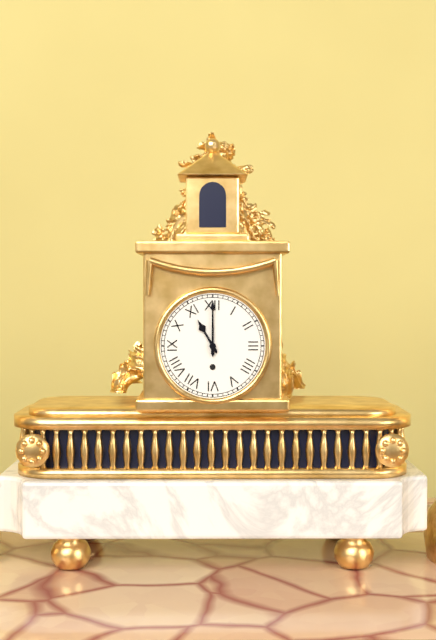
{"hour": 11, "minute": 0}
